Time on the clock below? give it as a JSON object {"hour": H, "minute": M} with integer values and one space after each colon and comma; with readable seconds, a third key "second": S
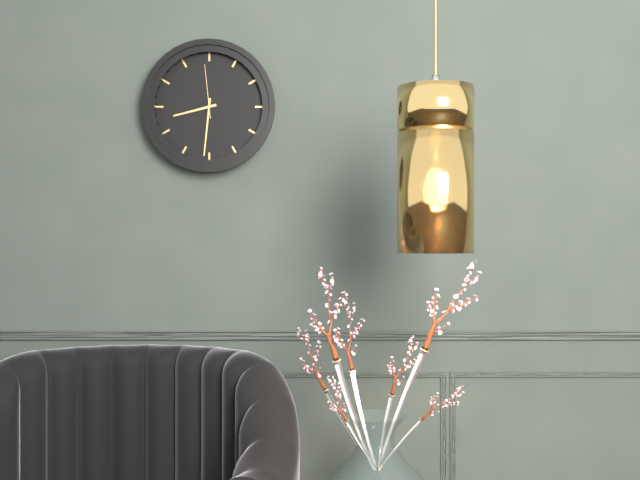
{"hour": 8, "minute": 31, "second": 59}
